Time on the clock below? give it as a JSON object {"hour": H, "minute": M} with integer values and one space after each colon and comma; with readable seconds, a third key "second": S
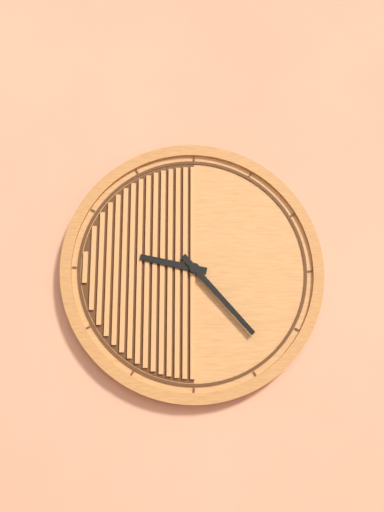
{"hour": 9, "minute": 23}
